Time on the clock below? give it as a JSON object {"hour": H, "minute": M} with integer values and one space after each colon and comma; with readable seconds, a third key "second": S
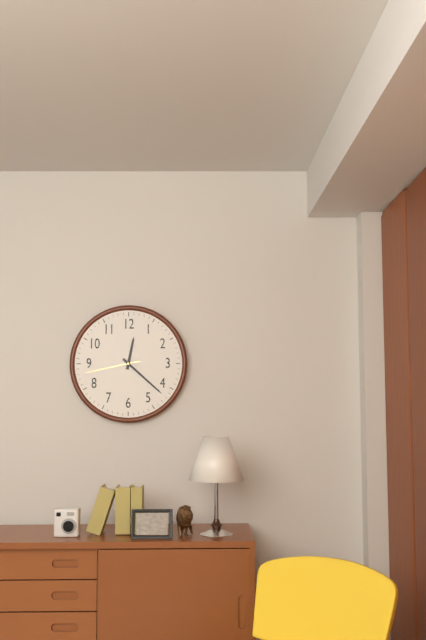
{"hour": 12, "minute": 22, "second": 43}
